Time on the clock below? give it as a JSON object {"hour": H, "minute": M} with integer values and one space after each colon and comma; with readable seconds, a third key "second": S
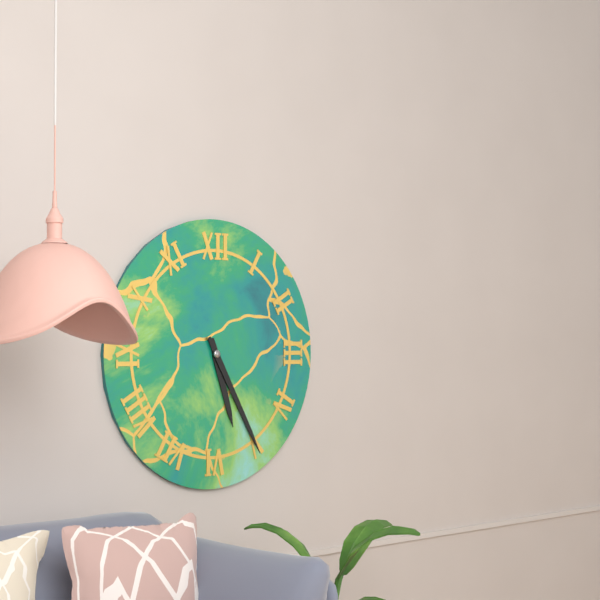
{"hour": 5, "minute": 25}
